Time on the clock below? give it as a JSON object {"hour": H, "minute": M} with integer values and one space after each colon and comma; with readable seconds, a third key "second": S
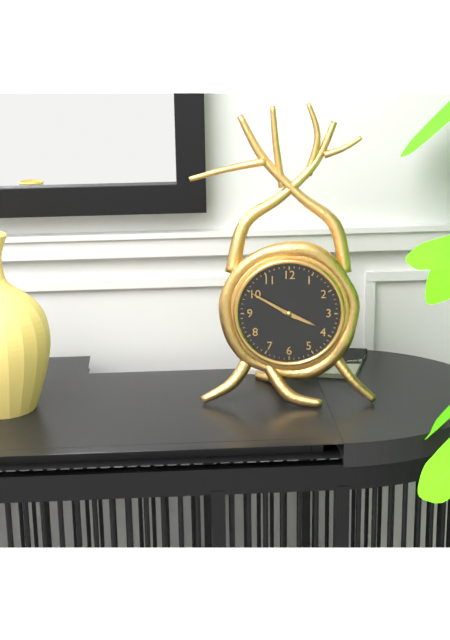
{"hour": 3, "minute": 50}
